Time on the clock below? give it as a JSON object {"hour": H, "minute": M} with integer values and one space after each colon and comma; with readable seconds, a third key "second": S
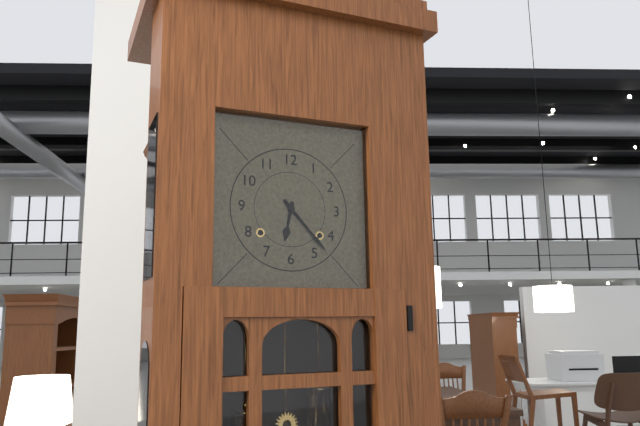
{"hour": 6, "minute": 23}
